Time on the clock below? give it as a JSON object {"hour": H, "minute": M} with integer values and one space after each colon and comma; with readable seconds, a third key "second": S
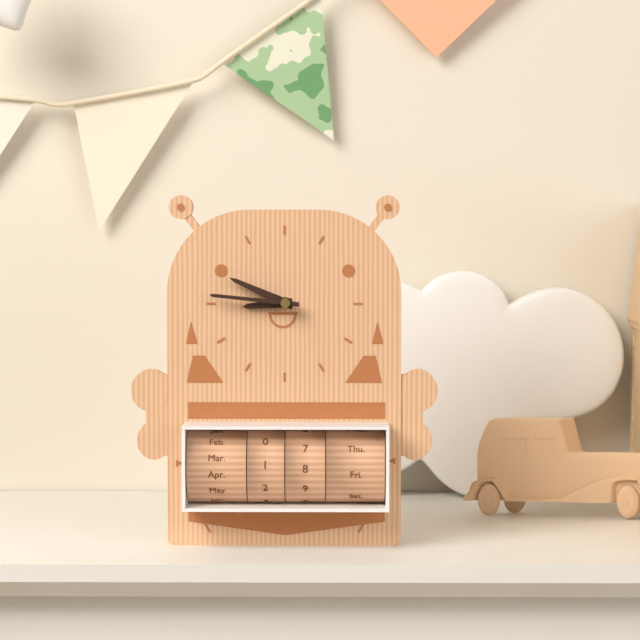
{"hour": 8, "minute": 49, "second": 46}
